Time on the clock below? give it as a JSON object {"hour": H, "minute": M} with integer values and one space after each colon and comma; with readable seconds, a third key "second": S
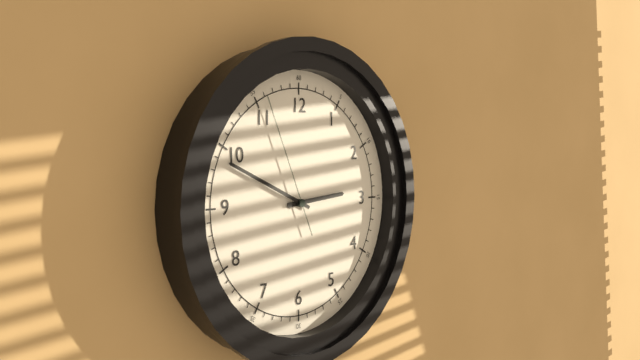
{"hour": 2, "minute": 49, "second": 56}
